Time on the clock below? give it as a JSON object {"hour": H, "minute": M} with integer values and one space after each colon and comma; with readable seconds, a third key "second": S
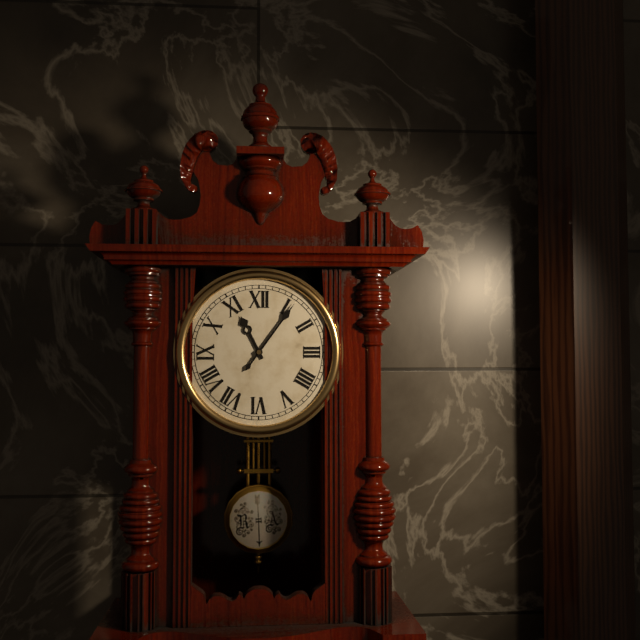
{"hour": 11, "minute": 6}
